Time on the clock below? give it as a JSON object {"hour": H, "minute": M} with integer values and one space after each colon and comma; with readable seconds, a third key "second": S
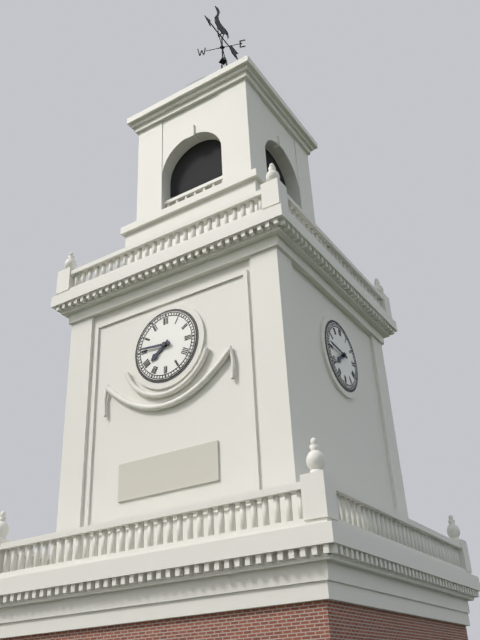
{"hour": 7, "minute": 46}
